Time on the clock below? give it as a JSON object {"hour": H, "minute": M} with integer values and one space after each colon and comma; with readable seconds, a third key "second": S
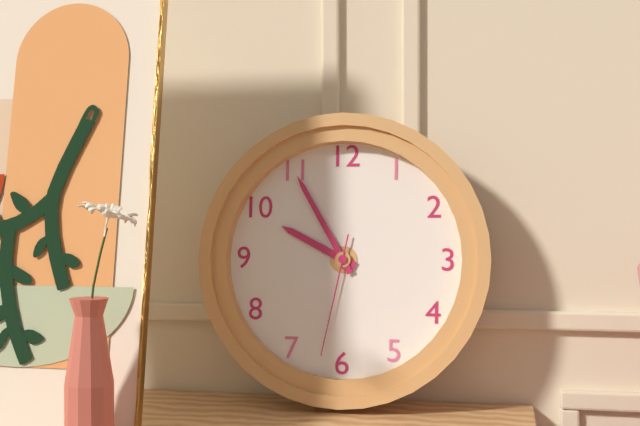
{"hour": 9, "minute": 55, "second": 32}
